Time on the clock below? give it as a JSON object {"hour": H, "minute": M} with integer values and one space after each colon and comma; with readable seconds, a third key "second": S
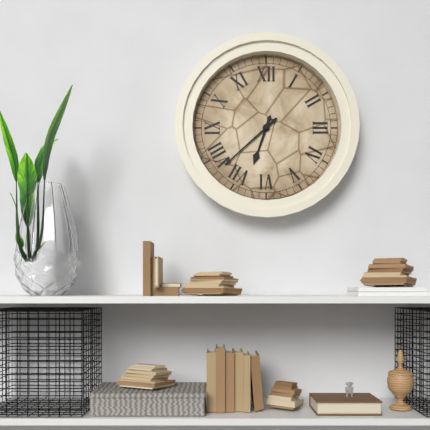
{"hour": 6, "minute": 38}
